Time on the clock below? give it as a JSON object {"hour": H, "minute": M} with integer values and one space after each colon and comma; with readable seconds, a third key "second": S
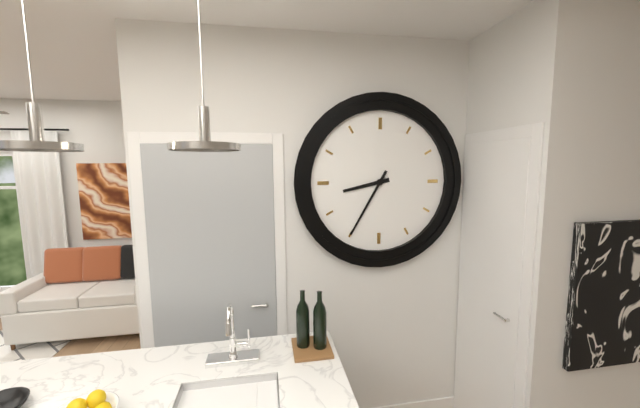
{"hour": 8, "minute": 35}
